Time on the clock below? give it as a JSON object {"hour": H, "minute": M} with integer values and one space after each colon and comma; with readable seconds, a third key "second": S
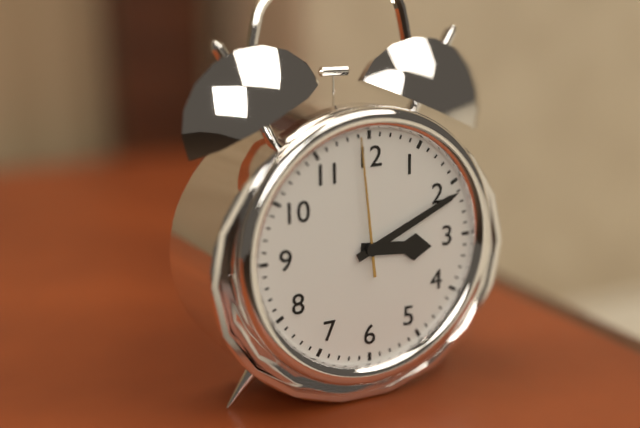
{"hour": 3, "minute": 11, "second": 59}
